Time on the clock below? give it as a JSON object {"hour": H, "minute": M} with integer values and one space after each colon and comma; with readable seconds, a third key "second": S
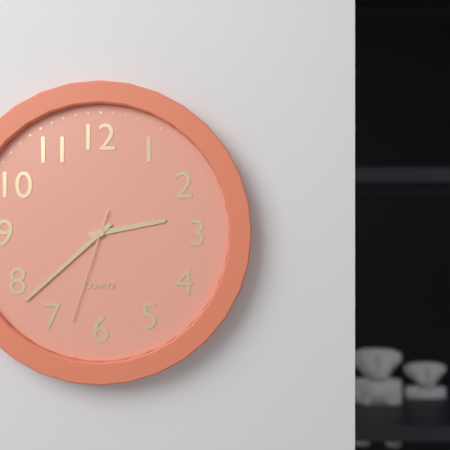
{"hour": 2, "minute": 38, "second": 33}
